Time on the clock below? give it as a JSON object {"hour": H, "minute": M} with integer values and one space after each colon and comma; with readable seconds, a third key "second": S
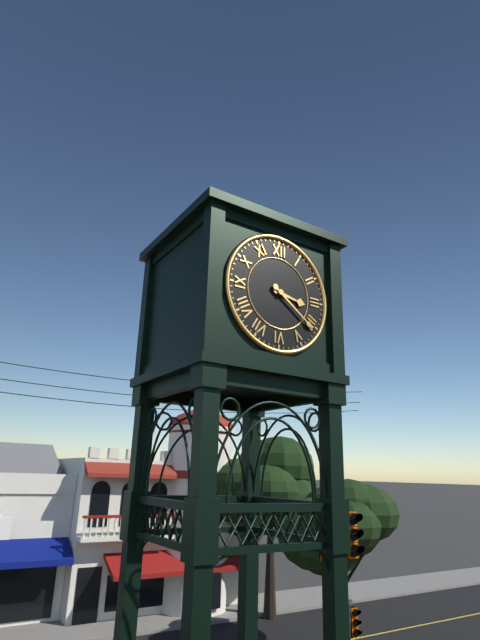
{"hour": 3, "minute": 21}
